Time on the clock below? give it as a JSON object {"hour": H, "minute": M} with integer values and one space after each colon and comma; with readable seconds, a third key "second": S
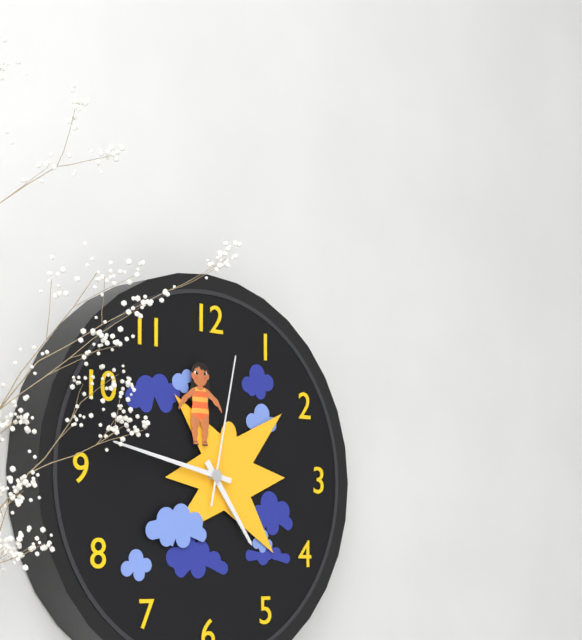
{"hour": 4, "minute": 47, "second": 2}
